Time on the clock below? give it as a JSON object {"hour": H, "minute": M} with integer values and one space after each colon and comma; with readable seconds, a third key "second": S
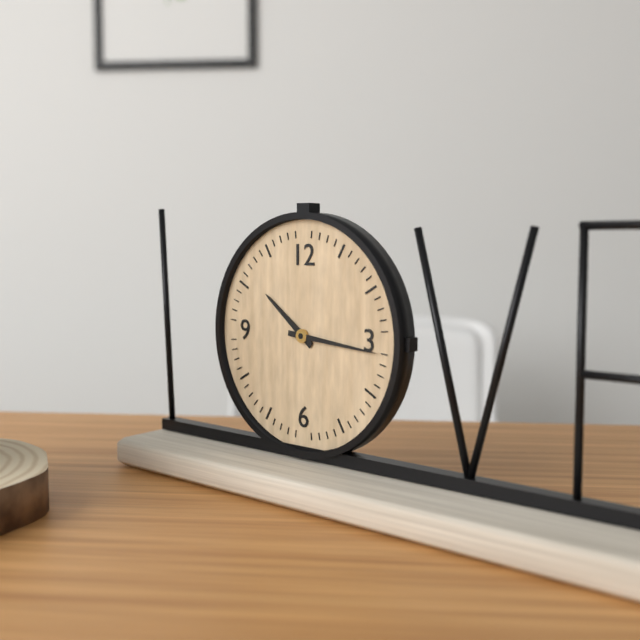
{"hour": 10, "minute": 16}
